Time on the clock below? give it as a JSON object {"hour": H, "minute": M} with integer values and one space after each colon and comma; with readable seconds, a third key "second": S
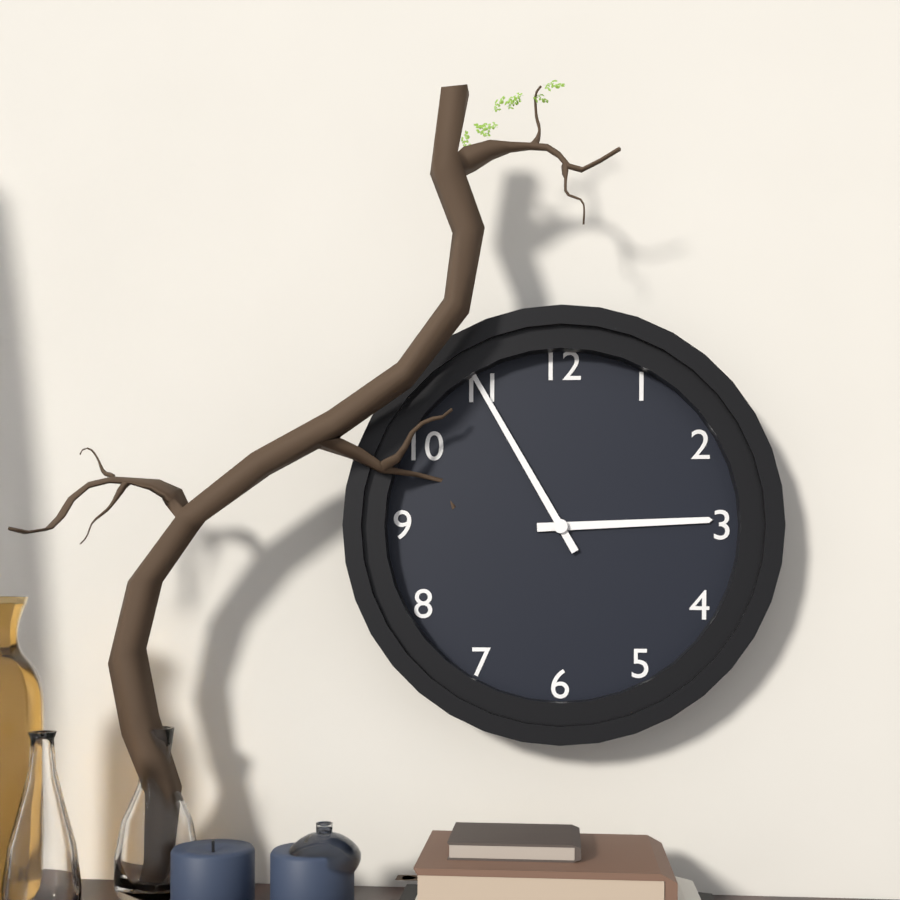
{"hour": 2, "minute": 55}
